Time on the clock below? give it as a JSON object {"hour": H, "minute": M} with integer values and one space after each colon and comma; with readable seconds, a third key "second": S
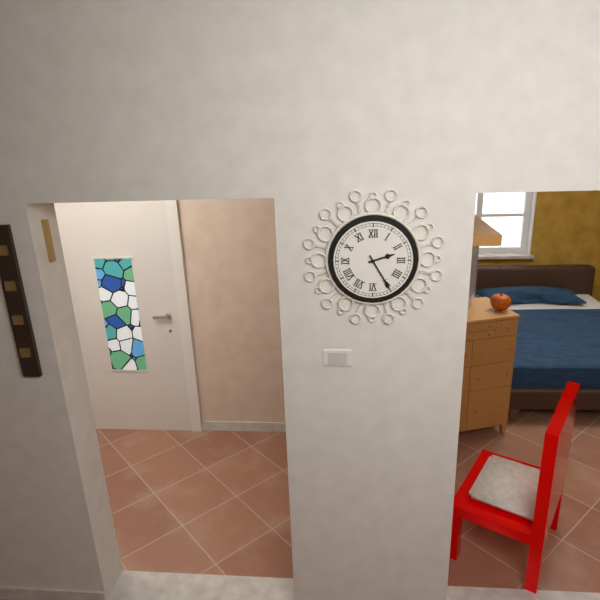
{"hour": 2, "minute": 25}
